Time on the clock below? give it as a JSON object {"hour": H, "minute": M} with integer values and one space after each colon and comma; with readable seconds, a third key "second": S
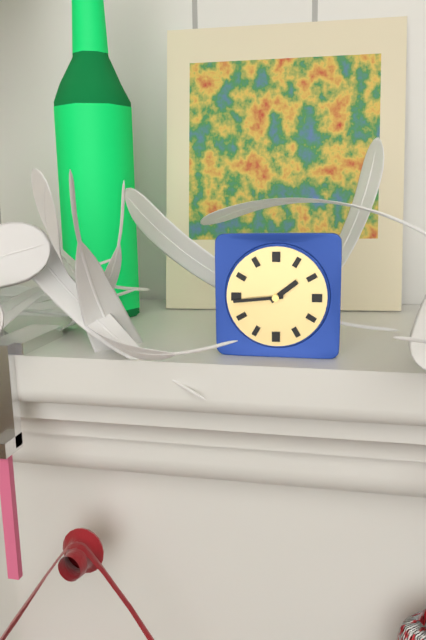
{"hour": 1, "minute": 44}
